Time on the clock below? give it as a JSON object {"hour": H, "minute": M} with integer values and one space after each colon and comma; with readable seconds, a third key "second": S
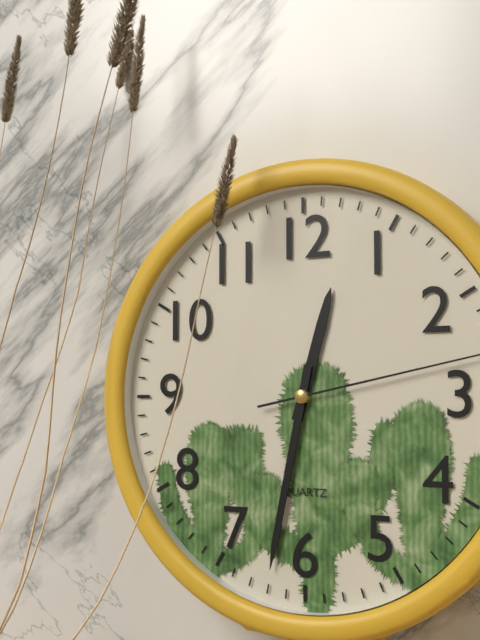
{"hour": 12, "minute": 32}
